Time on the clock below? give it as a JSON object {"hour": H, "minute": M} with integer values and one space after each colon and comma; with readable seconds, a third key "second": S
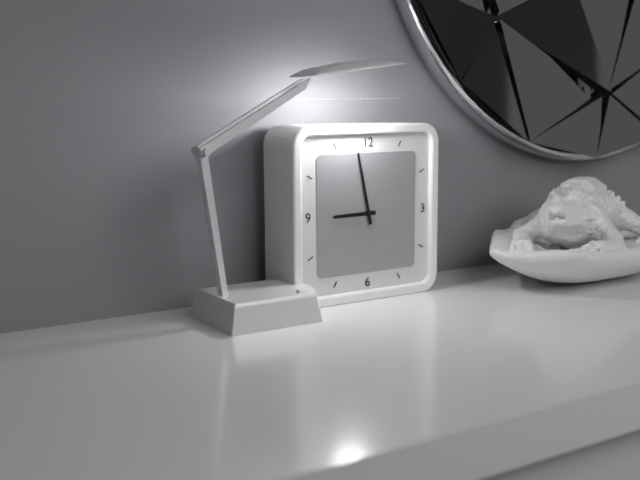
{"hour": 8, "minute": 58}
